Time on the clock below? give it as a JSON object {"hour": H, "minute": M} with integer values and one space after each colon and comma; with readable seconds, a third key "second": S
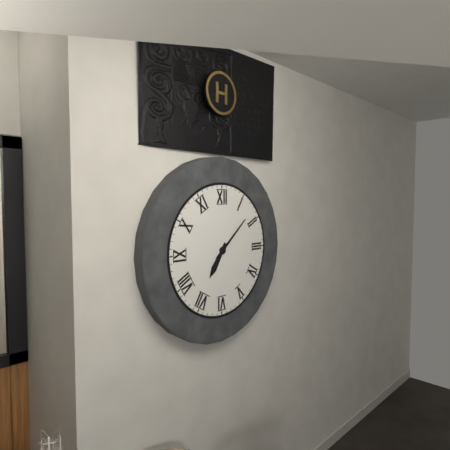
{"hour": 7, "minute": 8}
